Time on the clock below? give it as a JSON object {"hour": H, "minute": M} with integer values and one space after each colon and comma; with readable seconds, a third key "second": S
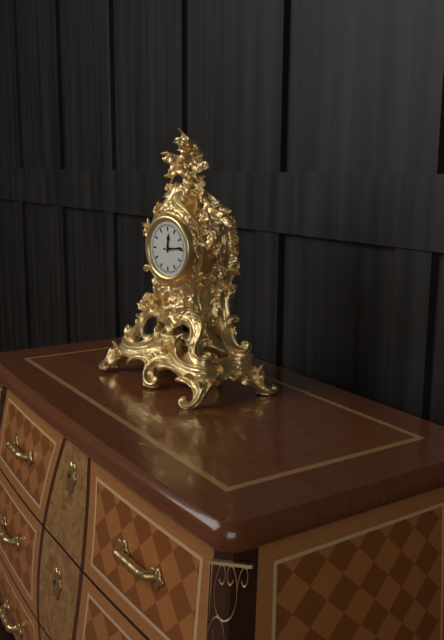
{"hour": 12, "minute": 14}
